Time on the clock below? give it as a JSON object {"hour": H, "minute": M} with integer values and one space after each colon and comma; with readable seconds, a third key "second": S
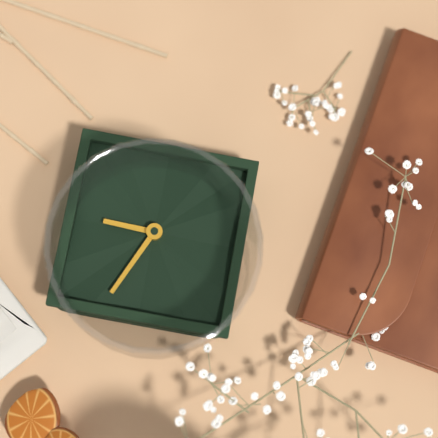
{"hour": 3, "minute": 4}
